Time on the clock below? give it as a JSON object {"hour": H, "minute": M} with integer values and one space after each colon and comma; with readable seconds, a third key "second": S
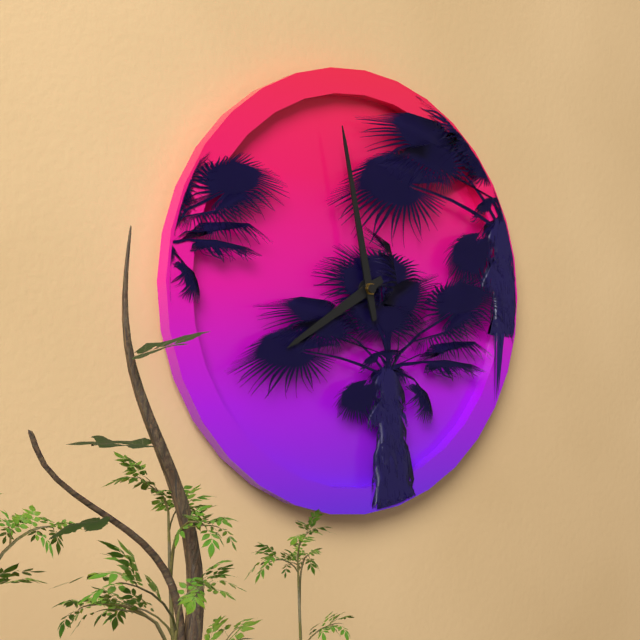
{"hour": 7, "minute": 58}
